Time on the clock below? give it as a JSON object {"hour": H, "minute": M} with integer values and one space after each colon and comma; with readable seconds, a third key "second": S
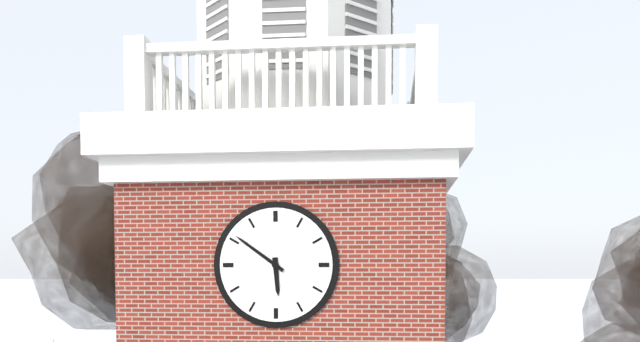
{"hour": 5, "minute": 51}
